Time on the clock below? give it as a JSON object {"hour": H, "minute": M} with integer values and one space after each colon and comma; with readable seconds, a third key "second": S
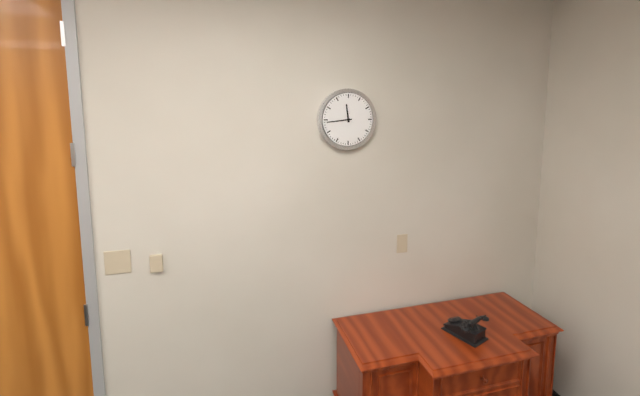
{"hour": 11, "minute": 44}
